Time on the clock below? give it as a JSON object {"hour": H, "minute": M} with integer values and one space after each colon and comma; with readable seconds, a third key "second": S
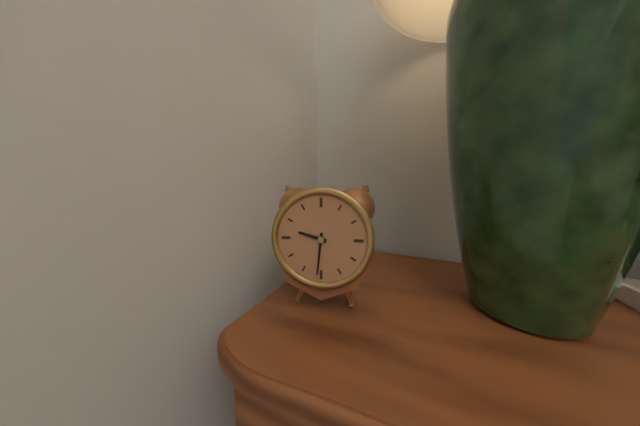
{"hour": 9, "minute": 31}
